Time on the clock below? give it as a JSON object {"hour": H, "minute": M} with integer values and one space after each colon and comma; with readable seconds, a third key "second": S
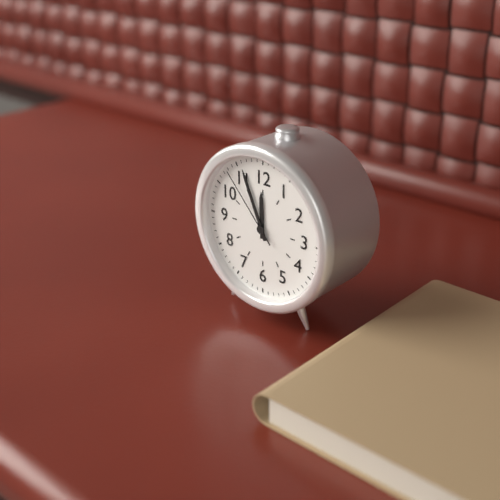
{"hour": 11, "minute": 56, "second": 53}
